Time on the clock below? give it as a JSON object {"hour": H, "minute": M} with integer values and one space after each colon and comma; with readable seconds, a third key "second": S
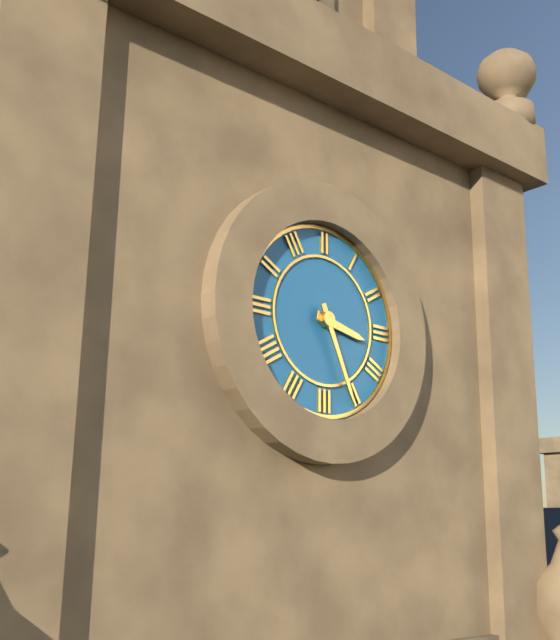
{"hour": 3, "minute": 26}
